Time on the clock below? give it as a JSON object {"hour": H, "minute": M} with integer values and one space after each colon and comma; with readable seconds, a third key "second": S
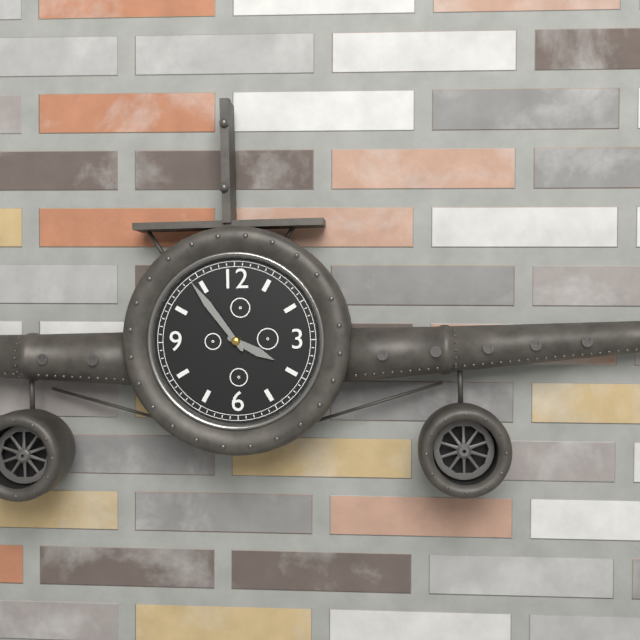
{"hour": 3, "minute": 54}
